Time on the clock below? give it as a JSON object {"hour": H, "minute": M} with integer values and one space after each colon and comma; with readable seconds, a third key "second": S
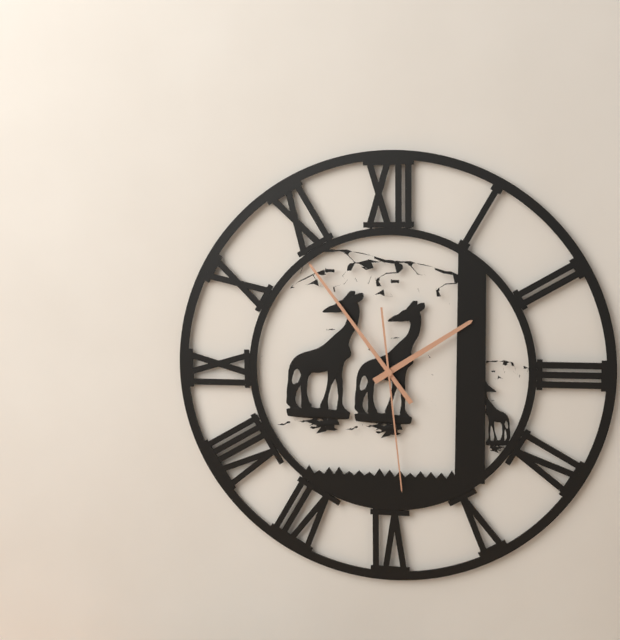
{"hour": 1, "minute": 54, "second": 29}
